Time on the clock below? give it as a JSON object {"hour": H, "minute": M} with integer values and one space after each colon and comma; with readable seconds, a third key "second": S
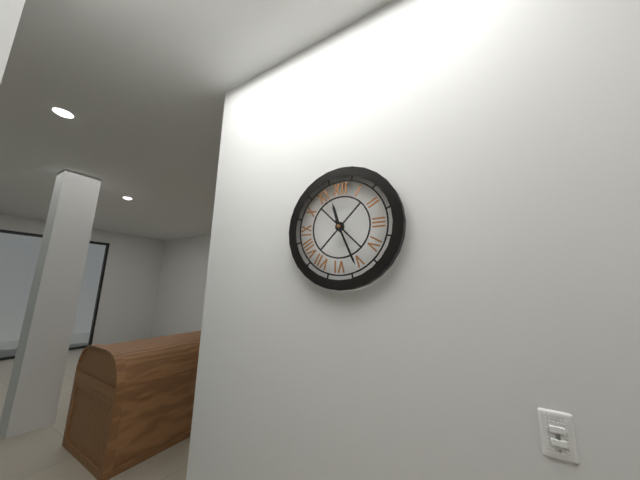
{"hour": 11, "minute": 26}
